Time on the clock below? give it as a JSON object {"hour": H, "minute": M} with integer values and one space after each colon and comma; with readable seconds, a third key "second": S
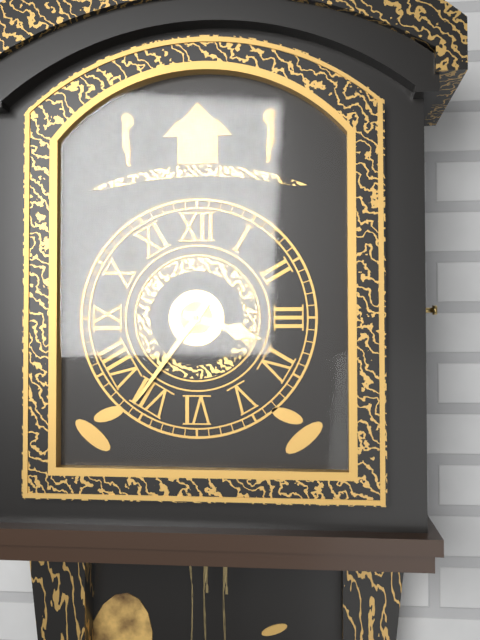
{"hour": 3, "minute": 36}
